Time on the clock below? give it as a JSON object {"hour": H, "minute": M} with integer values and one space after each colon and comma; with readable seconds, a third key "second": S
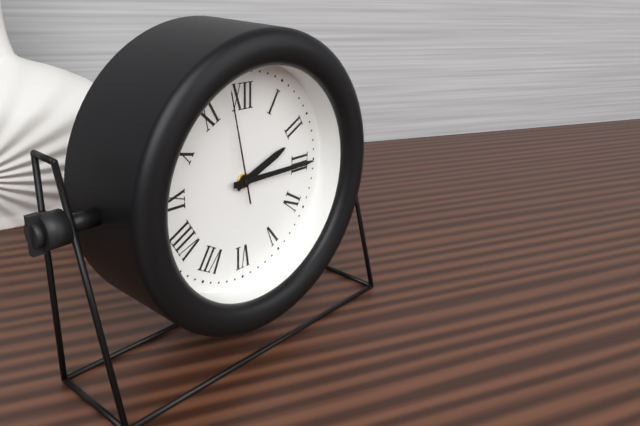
{"hour": 2, "minute": 15, "second": 58}
